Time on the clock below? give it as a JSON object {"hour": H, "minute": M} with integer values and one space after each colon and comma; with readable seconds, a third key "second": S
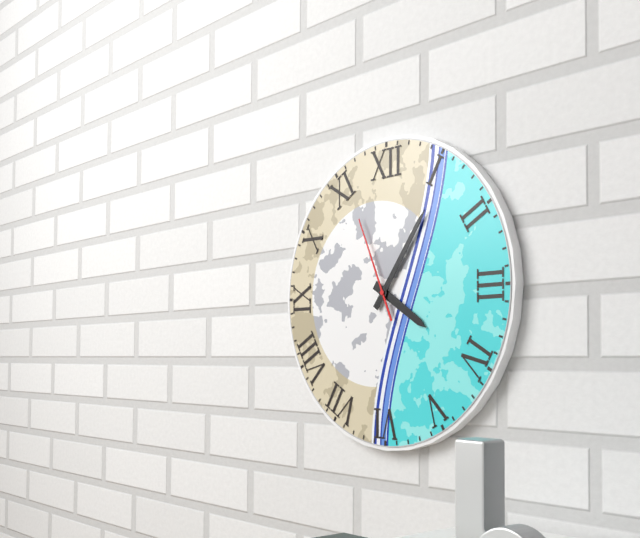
{"hour": 4, "minute": 6, "second": 56}
